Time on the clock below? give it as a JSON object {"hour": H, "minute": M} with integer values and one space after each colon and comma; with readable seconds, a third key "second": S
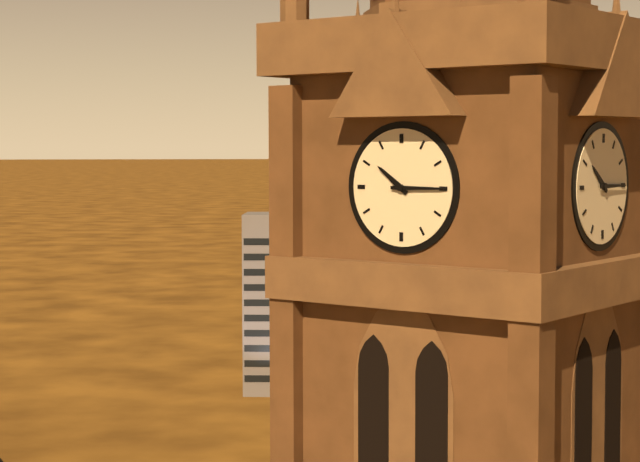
{"hour": 10, "minute": 15}
